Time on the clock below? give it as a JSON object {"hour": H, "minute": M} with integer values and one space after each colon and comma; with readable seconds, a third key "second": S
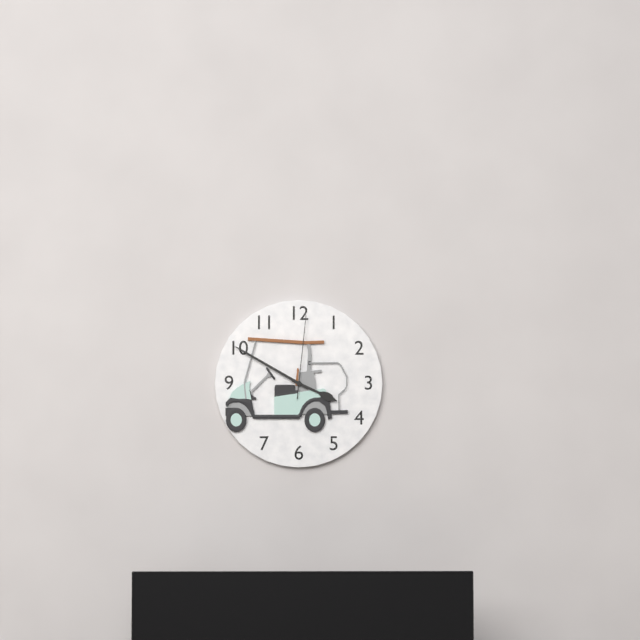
{"hour": 3, "minute": 50, "second": 1}
